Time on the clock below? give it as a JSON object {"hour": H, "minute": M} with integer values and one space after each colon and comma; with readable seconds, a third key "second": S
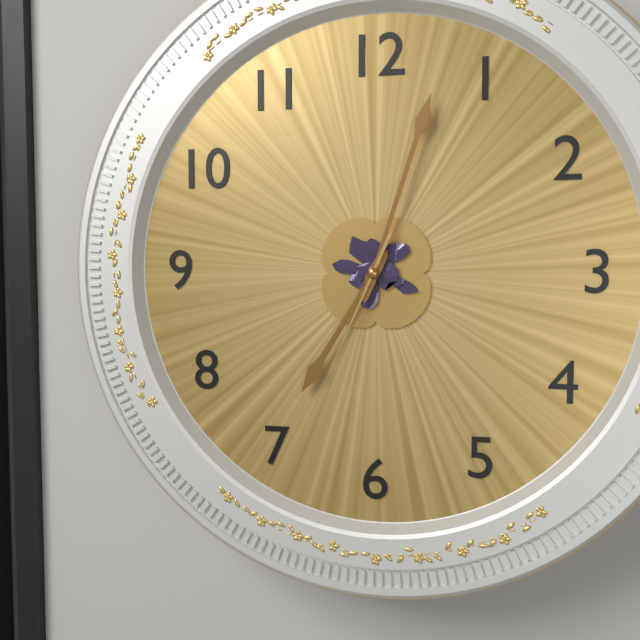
{"hour": 7, "minute": 3, "second": 34}
